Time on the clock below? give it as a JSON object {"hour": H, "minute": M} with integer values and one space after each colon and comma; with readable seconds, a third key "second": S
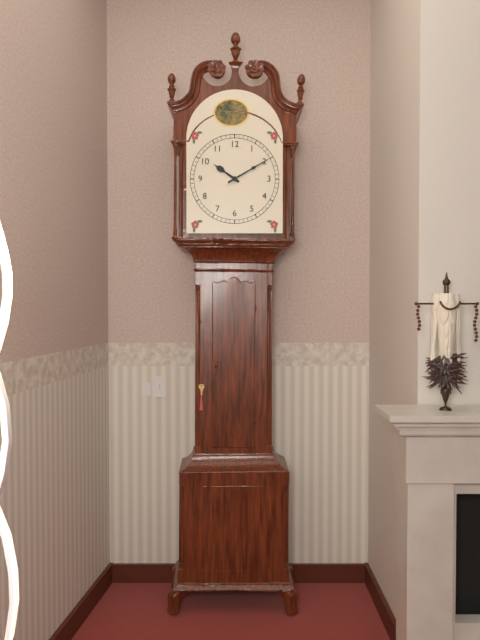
{"hour": 10, "minute": 10}
